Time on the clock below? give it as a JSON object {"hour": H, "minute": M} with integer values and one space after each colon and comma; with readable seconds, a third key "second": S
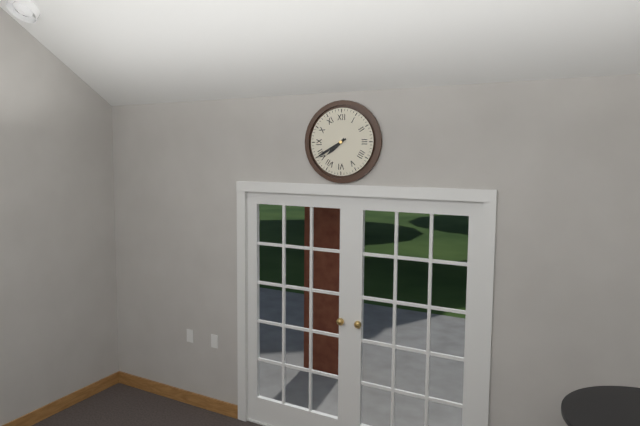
{"hour": 7, "minute": 40}
